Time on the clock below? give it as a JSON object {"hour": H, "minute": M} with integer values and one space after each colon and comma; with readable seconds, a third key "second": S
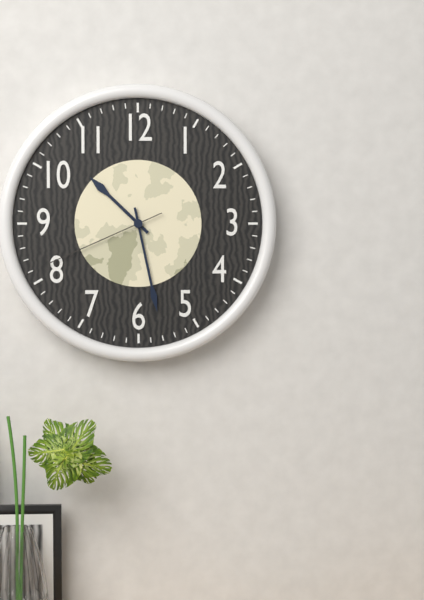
{"hour": 10, "minute": 28, "second": 41}
